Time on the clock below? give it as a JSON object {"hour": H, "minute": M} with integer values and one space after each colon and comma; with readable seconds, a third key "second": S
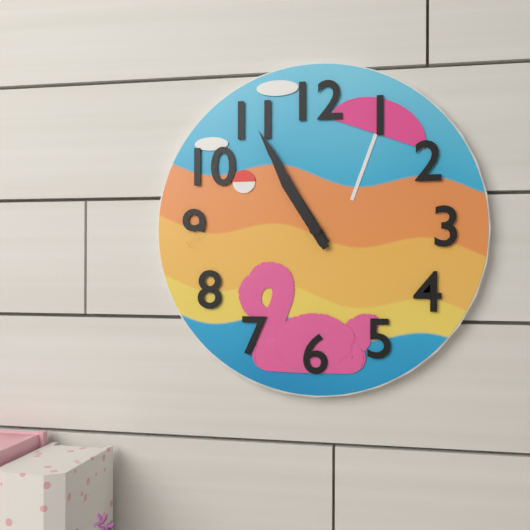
{"hour": 10, "minute": 55}
